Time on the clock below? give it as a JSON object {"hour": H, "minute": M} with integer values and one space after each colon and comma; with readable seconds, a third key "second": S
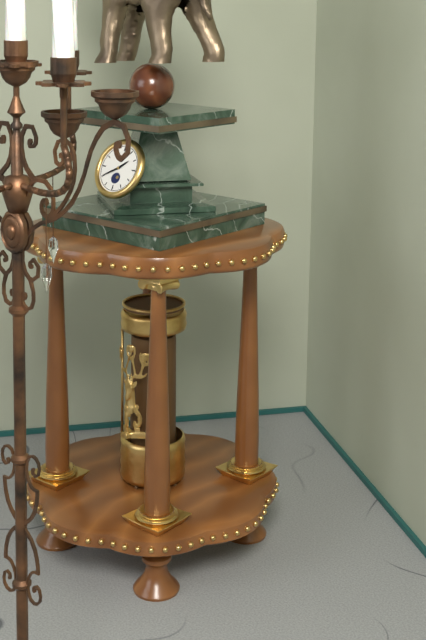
{"hour": 1, "minute": 40}
